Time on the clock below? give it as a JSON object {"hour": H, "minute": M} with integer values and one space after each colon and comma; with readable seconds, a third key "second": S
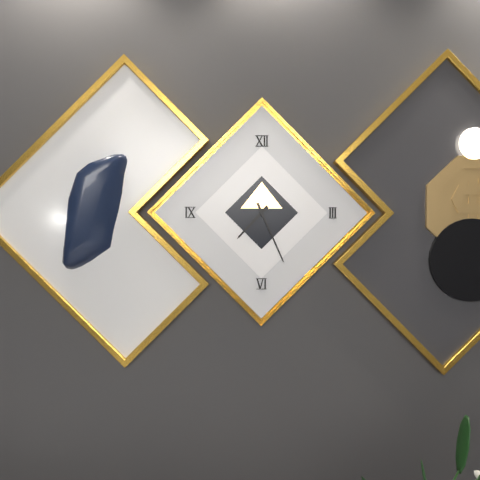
{"hour": 7, "minute": 26}
